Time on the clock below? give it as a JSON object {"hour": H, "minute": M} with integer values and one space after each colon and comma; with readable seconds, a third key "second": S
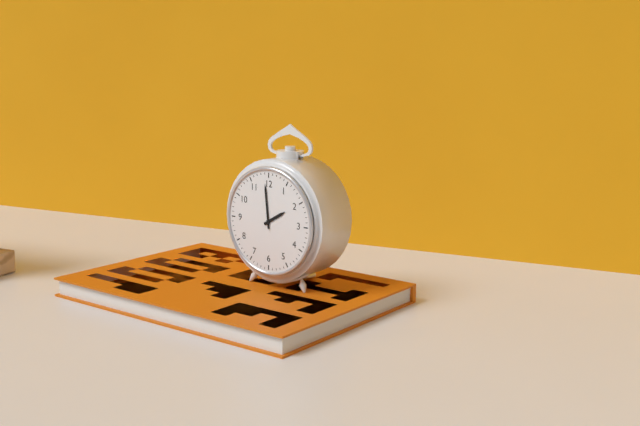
{"hour": 1, "minute": 59}
